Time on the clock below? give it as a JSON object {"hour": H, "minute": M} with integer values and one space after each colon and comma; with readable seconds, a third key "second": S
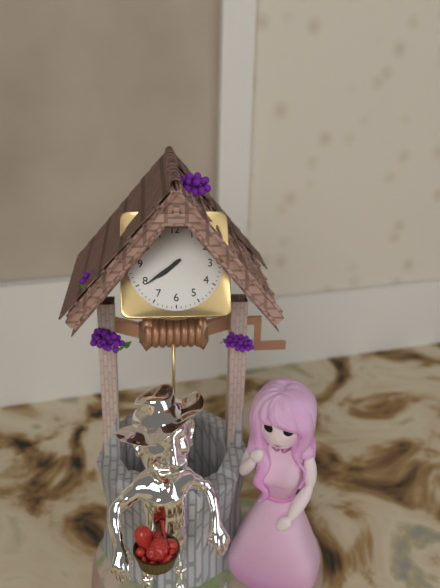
{"hour": 7, "minute": 39}
